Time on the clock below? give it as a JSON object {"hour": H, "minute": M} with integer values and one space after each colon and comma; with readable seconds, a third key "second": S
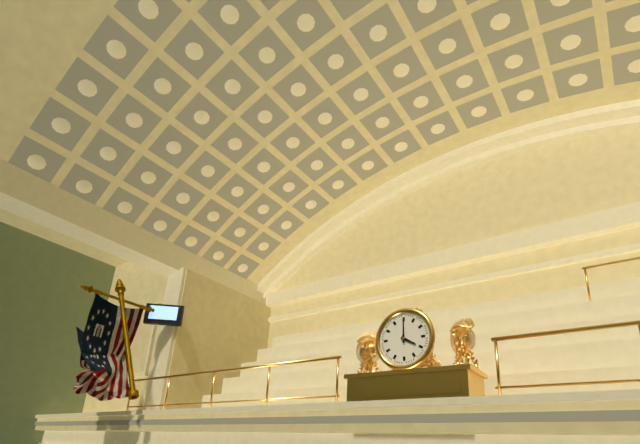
{"hour": 4, "minute": 0}
